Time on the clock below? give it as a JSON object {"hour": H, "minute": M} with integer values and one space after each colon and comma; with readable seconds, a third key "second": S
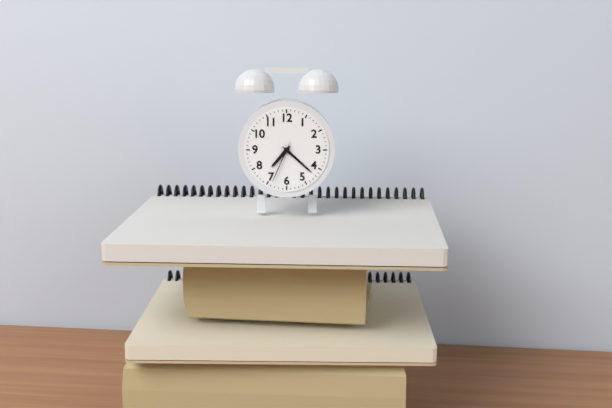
{"hour": 7, "minute": 22}
